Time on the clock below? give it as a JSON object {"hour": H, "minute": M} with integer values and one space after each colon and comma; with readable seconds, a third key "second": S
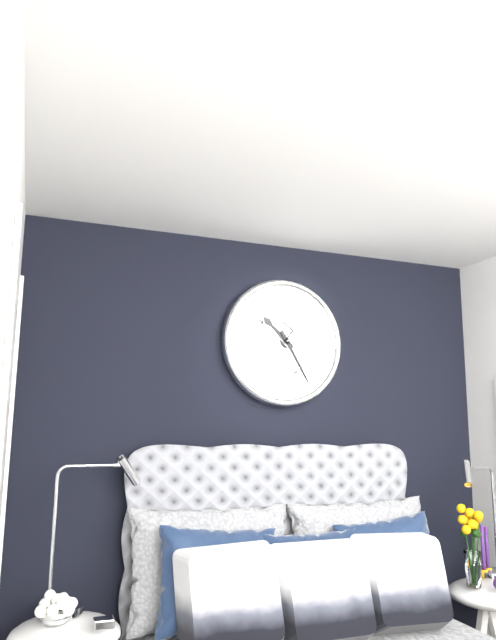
{"hour": 10, "minute": 25}
